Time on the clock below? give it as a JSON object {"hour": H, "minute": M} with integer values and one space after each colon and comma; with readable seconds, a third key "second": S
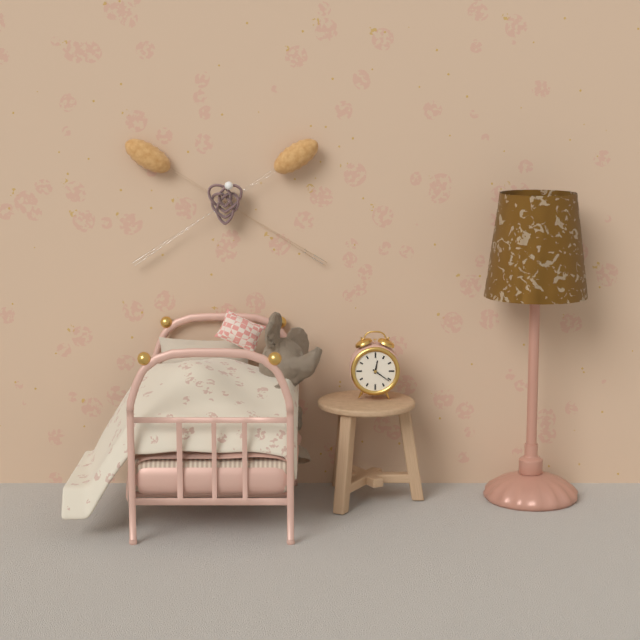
{"hour": 12, "minute": 21}
